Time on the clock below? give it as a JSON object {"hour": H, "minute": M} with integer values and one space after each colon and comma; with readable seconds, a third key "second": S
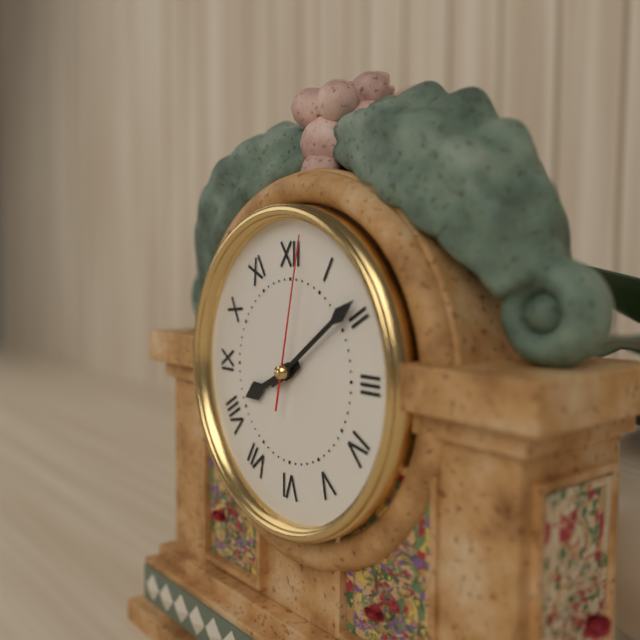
{"hour": 8, "minute": 9, "second": 2}
